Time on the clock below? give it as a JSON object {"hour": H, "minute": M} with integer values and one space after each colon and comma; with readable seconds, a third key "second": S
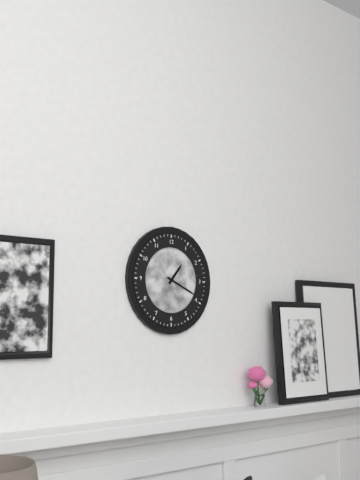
{"hour": 1, "minute": 19}
